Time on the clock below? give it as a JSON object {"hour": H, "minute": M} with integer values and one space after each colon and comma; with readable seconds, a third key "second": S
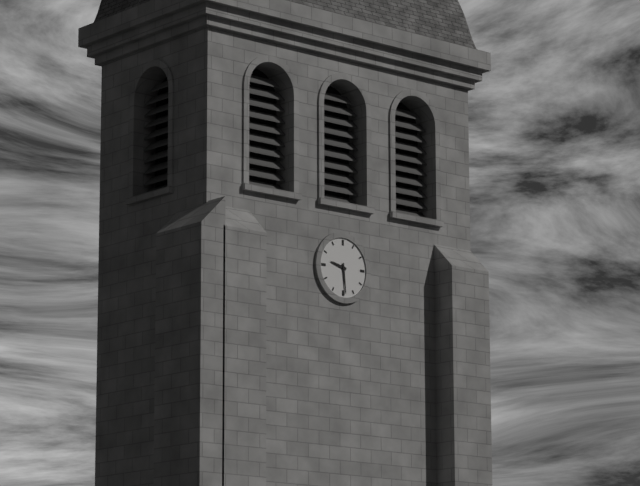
{"hour": 9, "minute": 29}
